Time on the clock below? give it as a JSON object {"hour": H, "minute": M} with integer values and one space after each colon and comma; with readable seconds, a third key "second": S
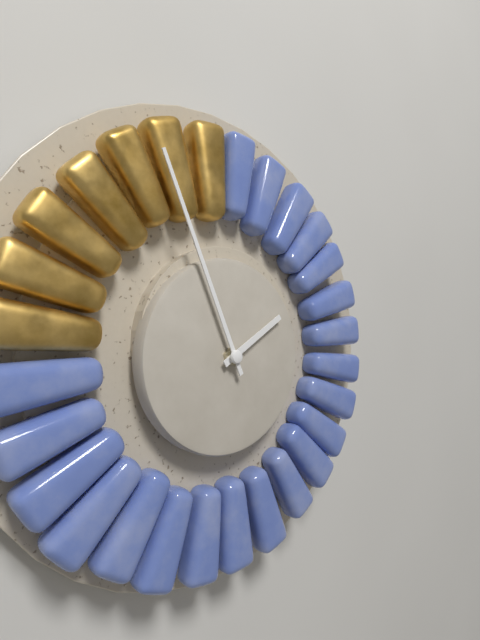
{"hour": 1, "minute": 56}
